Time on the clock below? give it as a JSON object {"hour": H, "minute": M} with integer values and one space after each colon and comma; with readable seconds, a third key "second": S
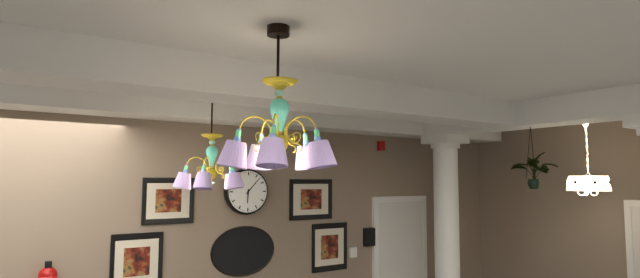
{"hour": 6, "minute": 7}
